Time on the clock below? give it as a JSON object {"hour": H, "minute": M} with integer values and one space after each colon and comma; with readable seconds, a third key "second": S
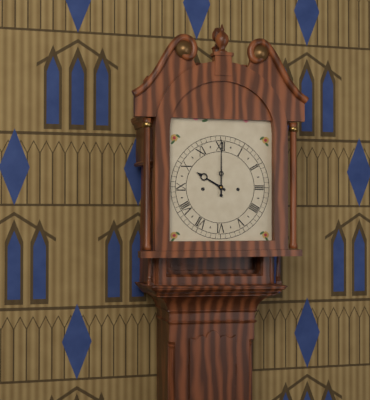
{"hour": 10, "minute": 0}
